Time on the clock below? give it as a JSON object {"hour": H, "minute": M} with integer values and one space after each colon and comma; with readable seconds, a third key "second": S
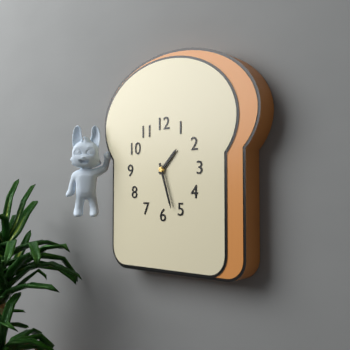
{"hour": 1, "minute": 27}
